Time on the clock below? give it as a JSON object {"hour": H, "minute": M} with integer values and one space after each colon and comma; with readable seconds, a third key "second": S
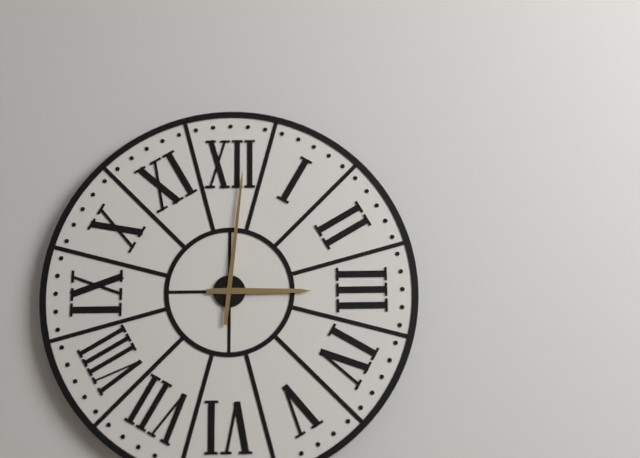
{"hour": 3, "minute": 1}
